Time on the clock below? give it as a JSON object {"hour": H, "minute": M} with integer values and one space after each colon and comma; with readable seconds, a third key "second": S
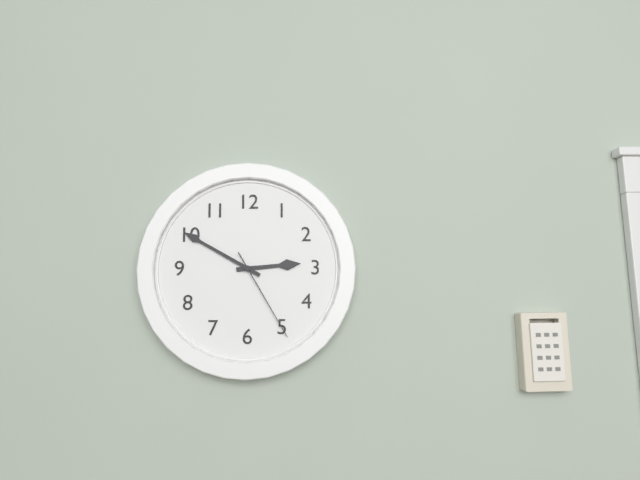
{"hour": 2, "minute": 50, "second": 25}
